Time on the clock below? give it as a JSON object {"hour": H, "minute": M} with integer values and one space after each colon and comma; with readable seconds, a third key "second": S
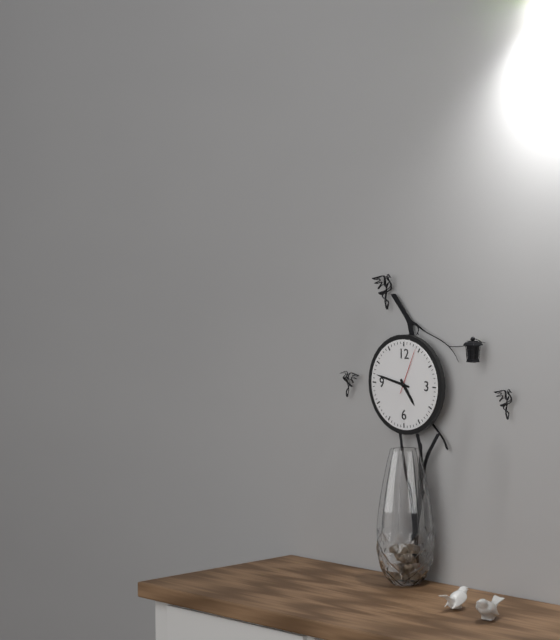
{"hour": 4, "minute": 47}
